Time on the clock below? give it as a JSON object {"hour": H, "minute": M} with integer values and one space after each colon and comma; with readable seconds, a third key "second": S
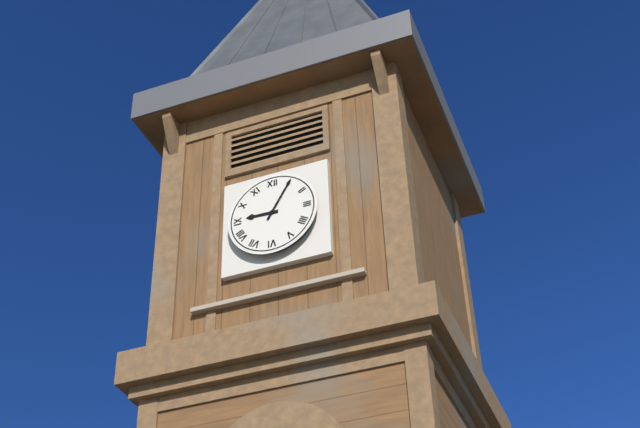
{"hour": 9, "minute": 5}
